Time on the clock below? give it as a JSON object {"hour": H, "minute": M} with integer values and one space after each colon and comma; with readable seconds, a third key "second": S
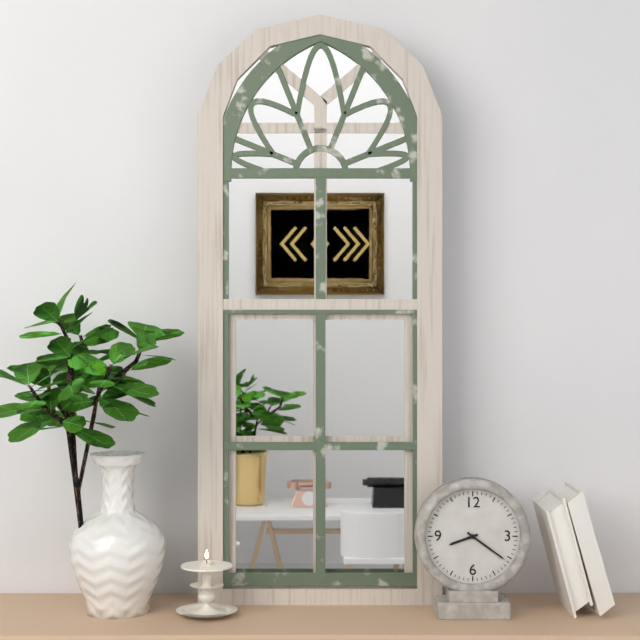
{"hour": 8, "minute": 21}
